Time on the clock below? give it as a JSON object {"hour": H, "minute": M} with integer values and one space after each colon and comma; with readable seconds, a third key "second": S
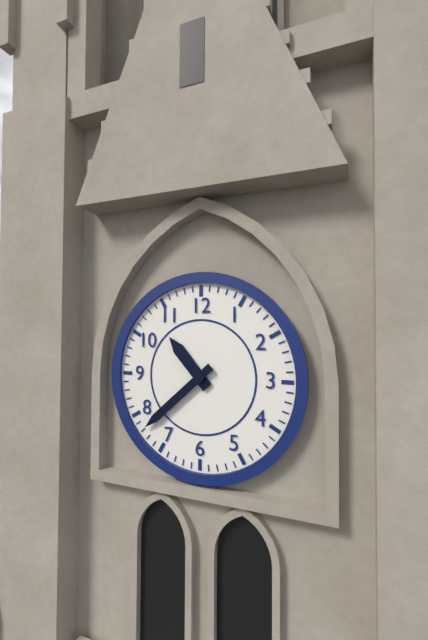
{"hour": 10, "minute": 38}
